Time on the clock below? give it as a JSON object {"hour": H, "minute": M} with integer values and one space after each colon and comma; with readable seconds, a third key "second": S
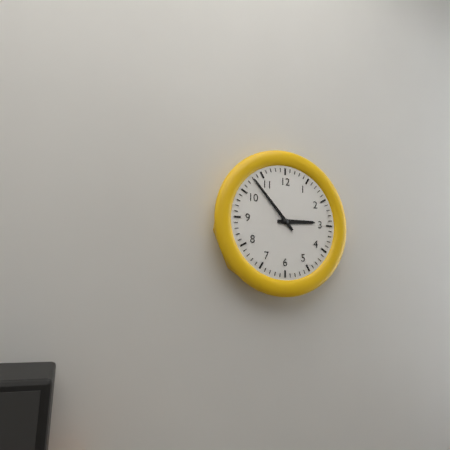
{"hour": 2, "minute": 53}
